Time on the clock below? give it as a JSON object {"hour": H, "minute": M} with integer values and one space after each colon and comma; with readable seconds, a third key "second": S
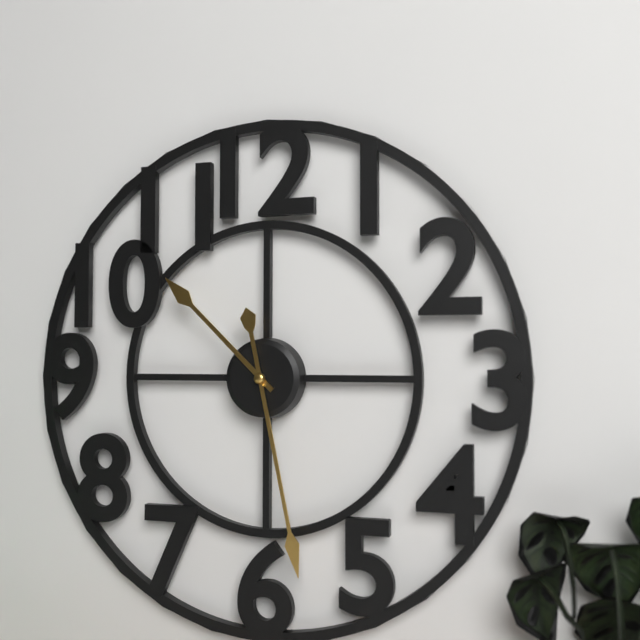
{"hour": 10, "minute": 28}
